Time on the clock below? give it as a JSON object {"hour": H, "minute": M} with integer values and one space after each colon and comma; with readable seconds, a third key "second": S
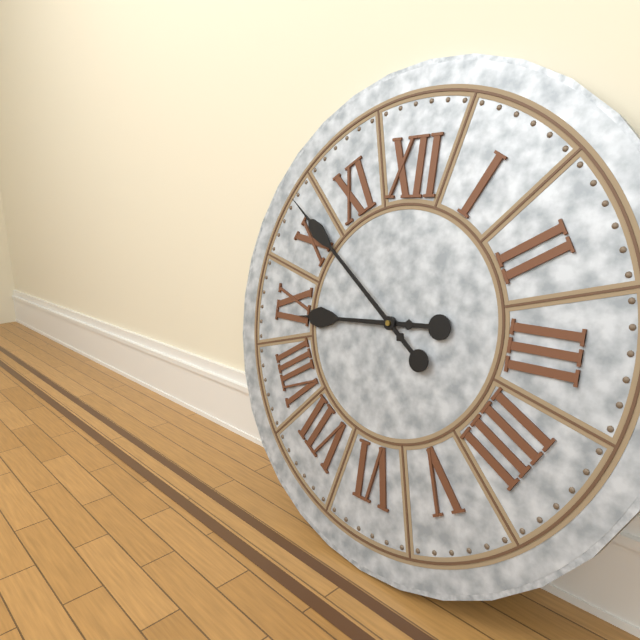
{"hour": 8, "minute": 51}
